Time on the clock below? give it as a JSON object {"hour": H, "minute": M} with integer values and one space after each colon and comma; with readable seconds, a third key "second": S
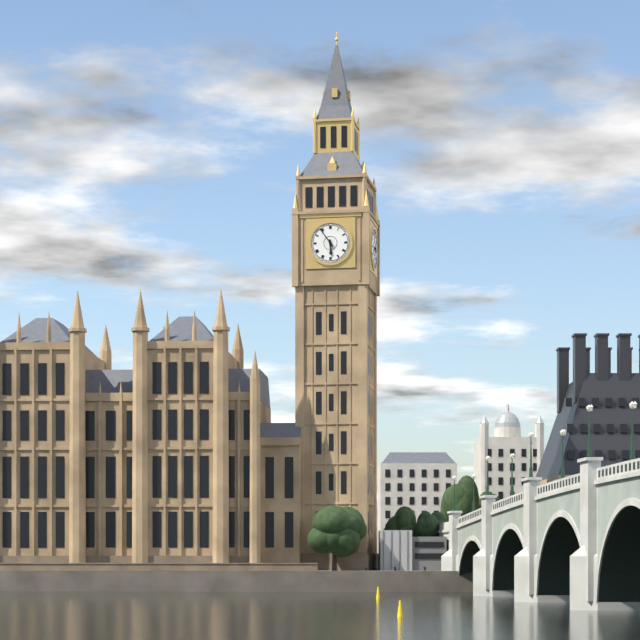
{"hour": 5, "minute": 54}
